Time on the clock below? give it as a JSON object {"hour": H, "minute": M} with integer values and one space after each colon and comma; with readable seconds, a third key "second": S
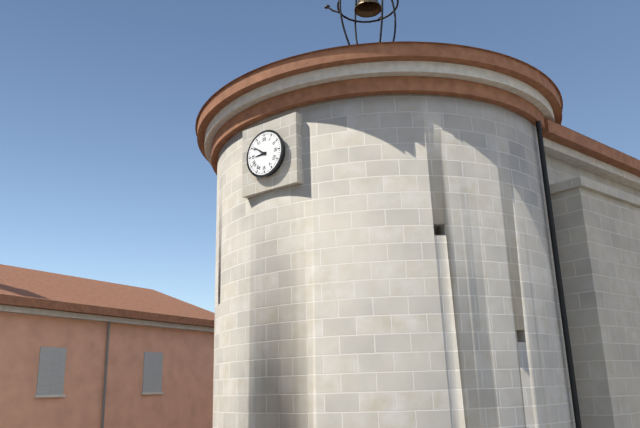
{"hour": 8, "minute": 51}
